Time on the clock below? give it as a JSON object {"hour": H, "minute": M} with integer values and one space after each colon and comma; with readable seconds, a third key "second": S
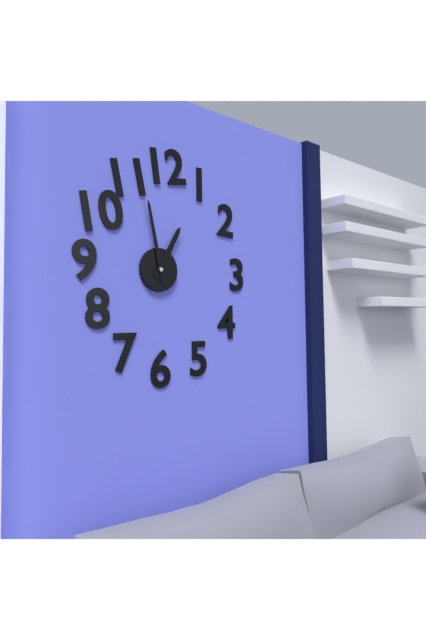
{"hour": 12, "minute": 58}
